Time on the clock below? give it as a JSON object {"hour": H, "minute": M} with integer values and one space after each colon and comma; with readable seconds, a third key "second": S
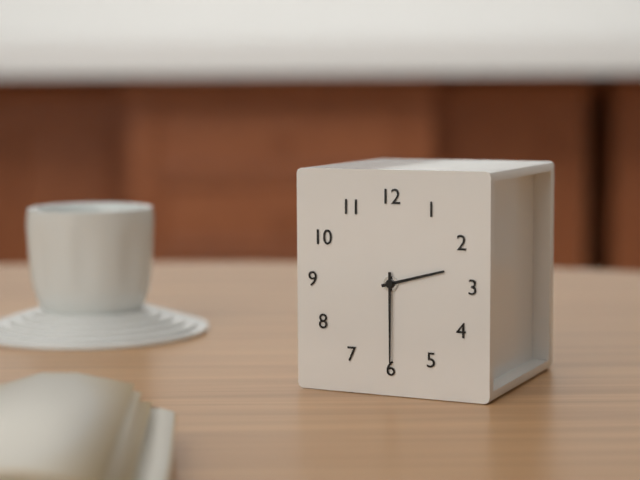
{"hour": 2, "minute": 30}
